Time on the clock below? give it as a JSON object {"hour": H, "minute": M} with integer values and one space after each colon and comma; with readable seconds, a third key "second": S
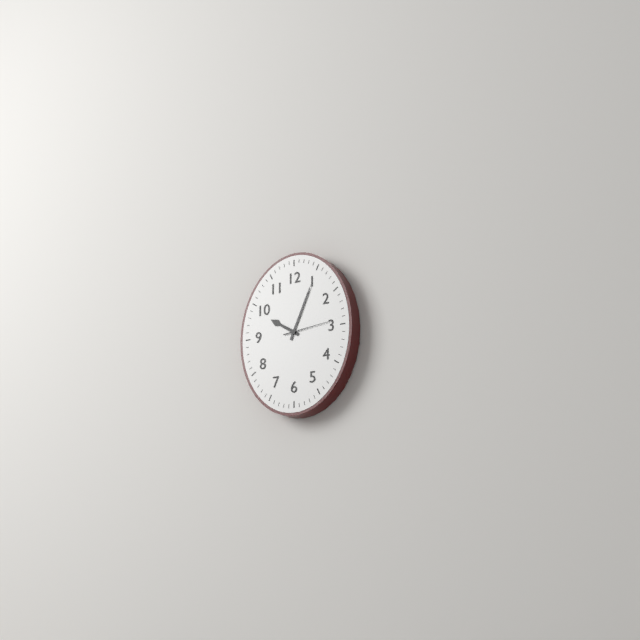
{"hour": 10, "minute": 4}
